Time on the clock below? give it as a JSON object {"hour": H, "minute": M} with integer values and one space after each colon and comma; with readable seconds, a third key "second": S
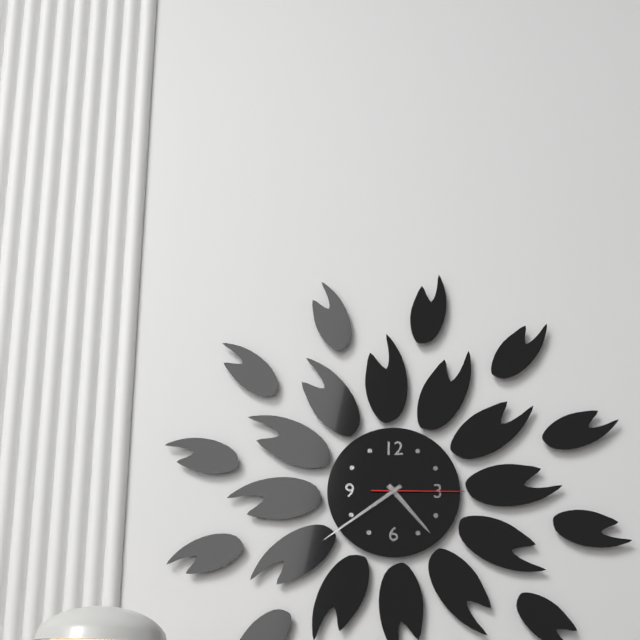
{"hour": 4, "minute": 39, "second": 15}
